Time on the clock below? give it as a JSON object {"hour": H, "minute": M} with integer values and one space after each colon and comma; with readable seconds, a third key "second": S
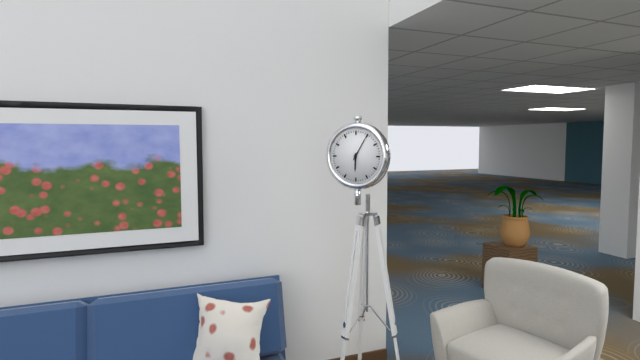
{"hour": 6, "minute": 5}
